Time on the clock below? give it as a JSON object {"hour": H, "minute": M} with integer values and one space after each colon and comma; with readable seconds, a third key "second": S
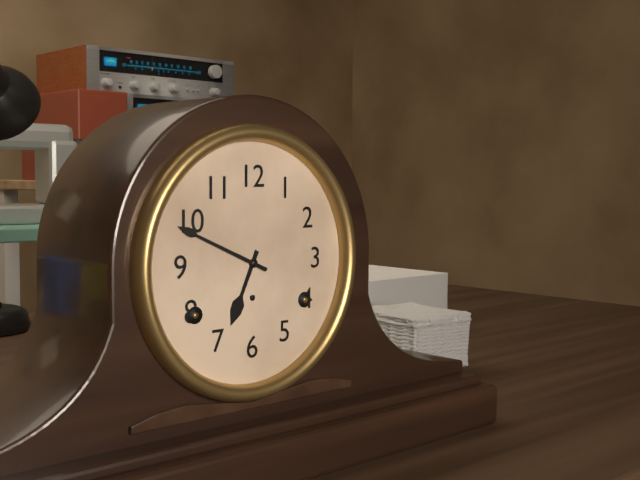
{"hour": 6, "minute": 49}
